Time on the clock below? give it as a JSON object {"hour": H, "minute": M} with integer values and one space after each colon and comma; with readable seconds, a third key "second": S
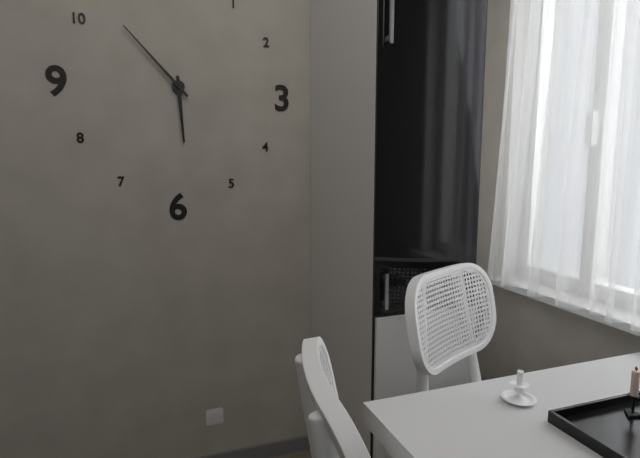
{"hour": 5, "minute": 53}
